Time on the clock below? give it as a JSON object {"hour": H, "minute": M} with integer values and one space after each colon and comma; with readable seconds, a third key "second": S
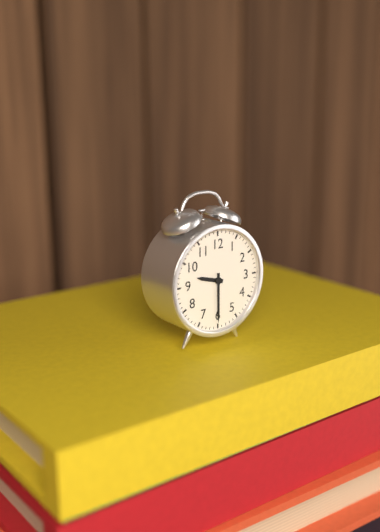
{"hour": 9, "minute": 30}
